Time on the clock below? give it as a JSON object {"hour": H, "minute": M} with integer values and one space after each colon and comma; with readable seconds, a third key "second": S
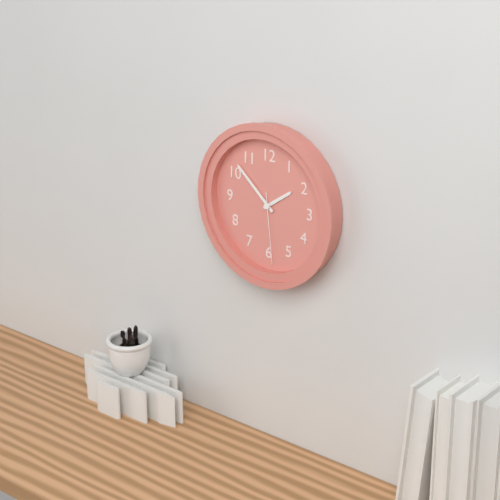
{"hour": 1, "minute": 52, "second": 29}
